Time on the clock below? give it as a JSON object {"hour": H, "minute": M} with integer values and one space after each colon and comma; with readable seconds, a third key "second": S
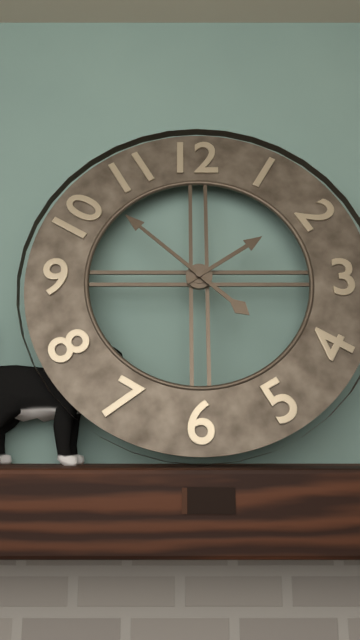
{"hour": 1, "minute": 52}
